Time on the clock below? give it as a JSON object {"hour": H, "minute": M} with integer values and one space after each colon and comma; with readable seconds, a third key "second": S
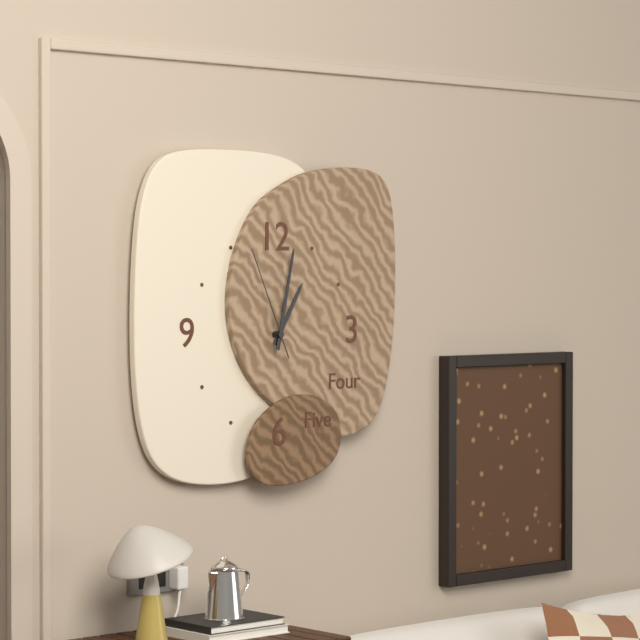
{"hour": 1, "minute": 2, "second": 56}
